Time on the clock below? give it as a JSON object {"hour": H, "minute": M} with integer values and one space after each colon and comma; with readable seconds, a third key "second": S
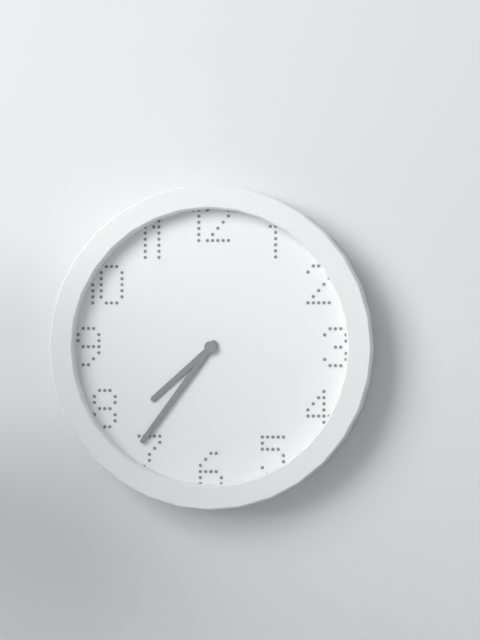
{"hour": 7, "minute": 36}
